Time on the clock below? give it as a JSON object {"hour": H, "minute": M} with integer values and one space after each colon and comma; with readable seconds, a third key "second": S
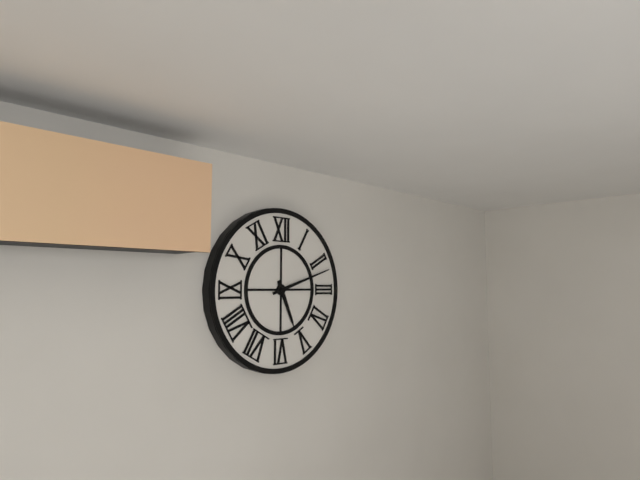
{"hour": 5, "minute": 12}
